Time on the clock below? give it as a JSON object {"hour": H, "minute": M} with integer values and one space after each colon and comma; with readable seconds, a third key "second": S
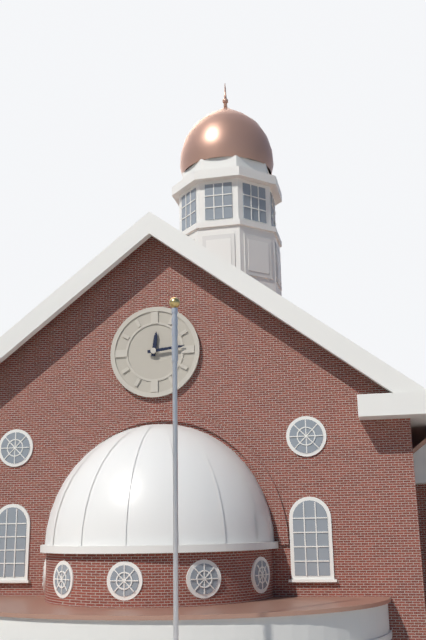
{"hour": 12, "minute": 14}
